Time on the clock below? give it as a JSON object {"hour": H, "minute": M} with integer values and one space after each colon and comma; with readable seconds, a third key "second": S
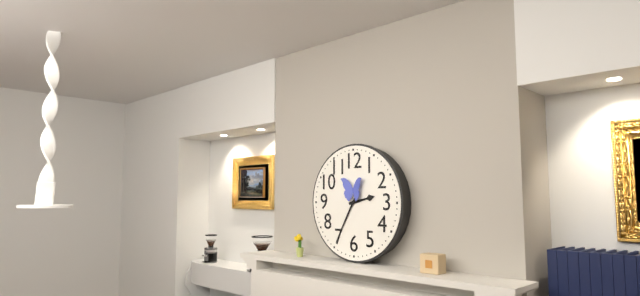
{"hour": 2, "minute": 35}
